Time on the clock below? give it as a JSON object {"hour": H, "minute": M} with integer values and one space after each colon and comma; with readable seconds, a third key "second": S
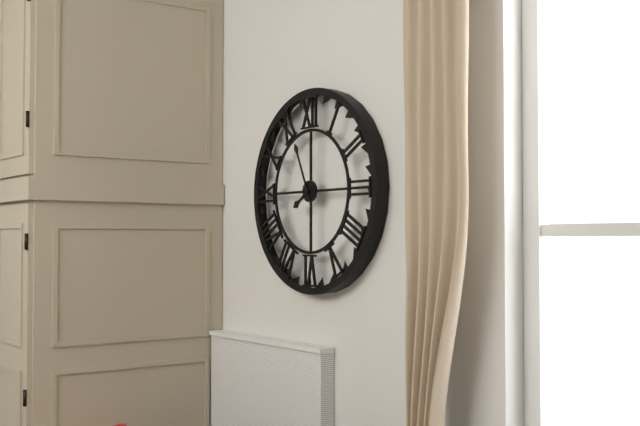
{"hour": 7, "minute": 56}
